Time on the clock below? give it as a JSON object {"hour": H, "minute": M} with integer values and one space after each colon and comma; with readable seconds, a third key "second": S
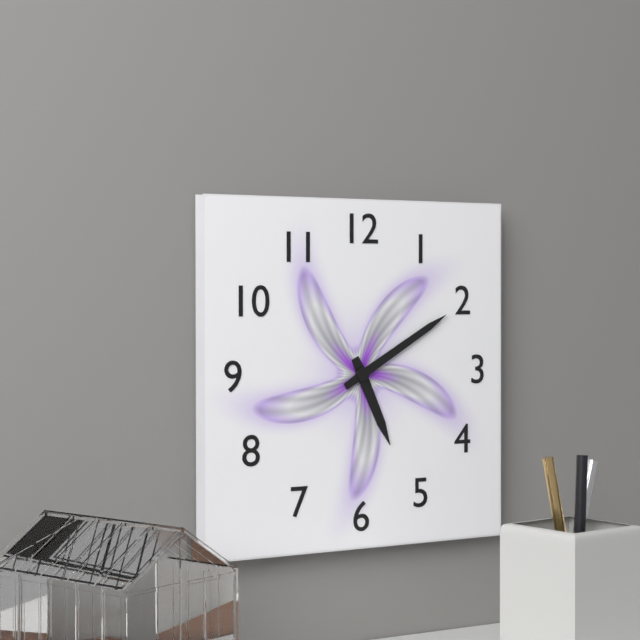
{"hour": 5, "minute": 10}
